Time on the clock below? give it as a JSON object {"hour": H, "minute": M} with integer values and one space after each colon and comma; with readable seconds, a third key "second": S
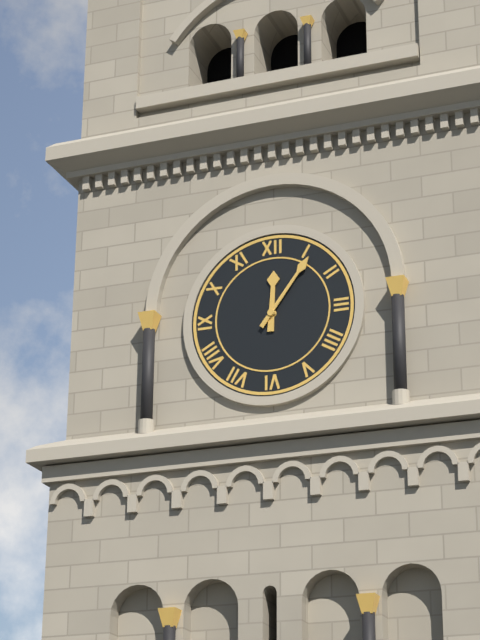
{"hour": 12, "minute": 6}
